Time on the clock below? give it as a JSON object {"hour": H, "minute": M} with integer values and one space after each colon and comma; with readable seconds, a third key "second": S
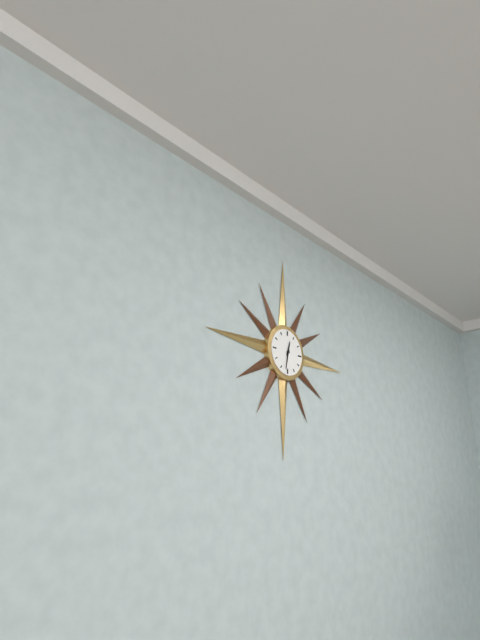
{"hour": 12, "minute": 32}
